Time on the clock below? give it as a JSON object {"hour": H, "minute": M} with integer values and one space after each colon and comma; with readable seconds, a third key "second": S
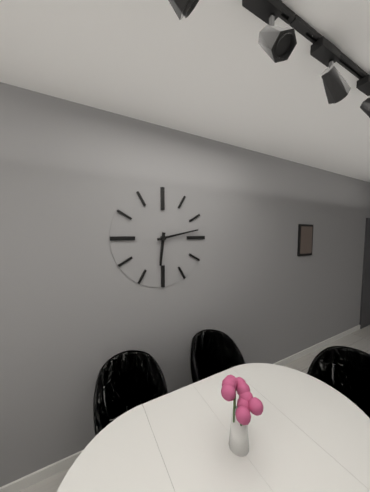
{"hour": 6, "minute": 13}
